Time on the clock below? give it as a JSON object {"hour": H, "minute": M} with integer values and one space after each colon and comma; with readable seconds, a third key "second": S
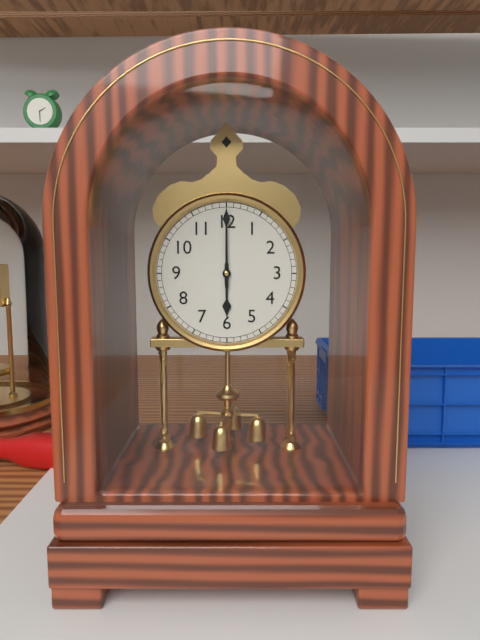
{"hour": 6, "minute": 0}
